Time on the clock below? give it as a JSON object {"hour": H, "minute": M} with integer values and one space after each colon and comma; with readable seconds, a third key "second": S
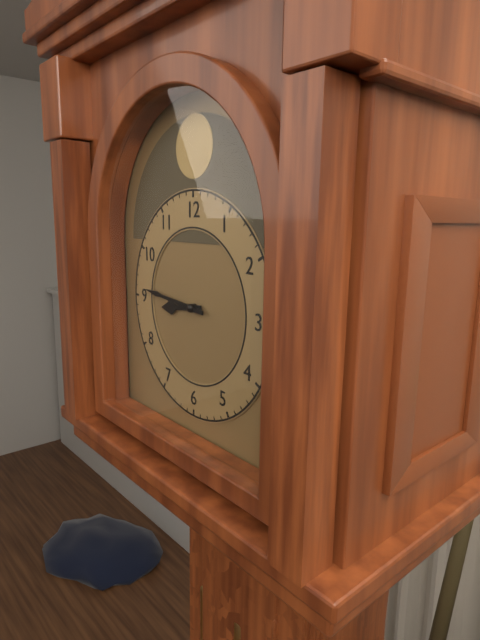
{"hour": 8, "minute": 46}
